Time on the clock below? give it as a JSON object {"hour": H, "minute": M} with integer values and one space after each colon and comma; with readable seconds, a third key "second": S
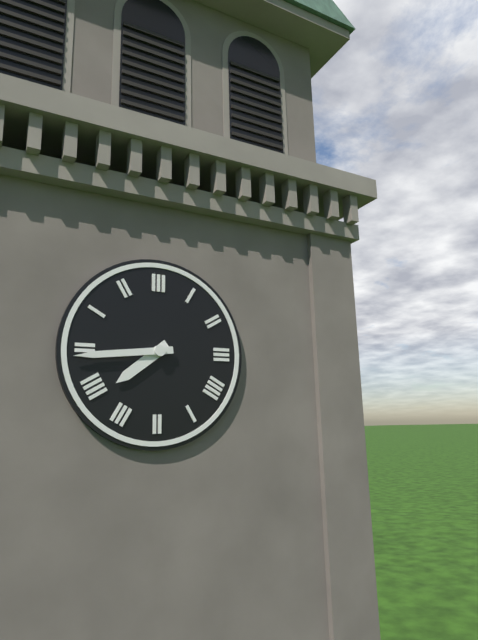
{"hour": 7, "minute": 44}
